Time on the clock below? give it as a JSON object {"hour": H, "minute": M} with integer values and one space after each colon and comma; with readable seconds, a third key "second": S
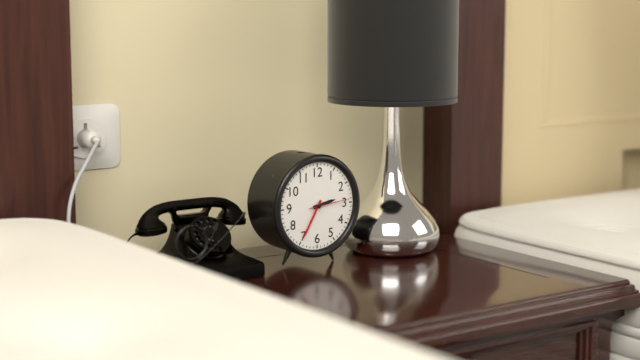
{"hour": 2, "minute": 35}
